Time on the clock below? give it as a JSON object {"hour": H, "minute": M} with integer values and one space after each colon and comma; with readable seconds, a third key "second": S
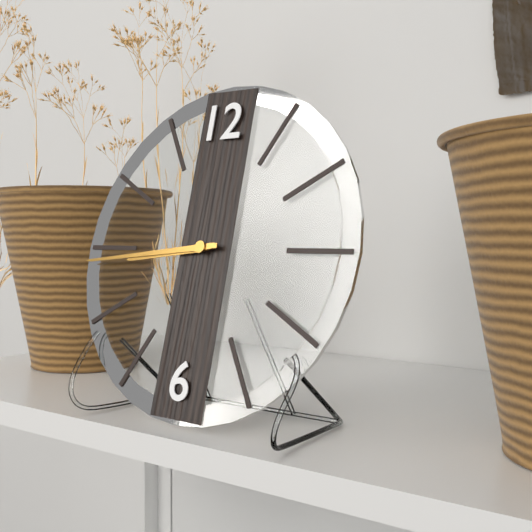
{"hour": 8, "minute": 44}
